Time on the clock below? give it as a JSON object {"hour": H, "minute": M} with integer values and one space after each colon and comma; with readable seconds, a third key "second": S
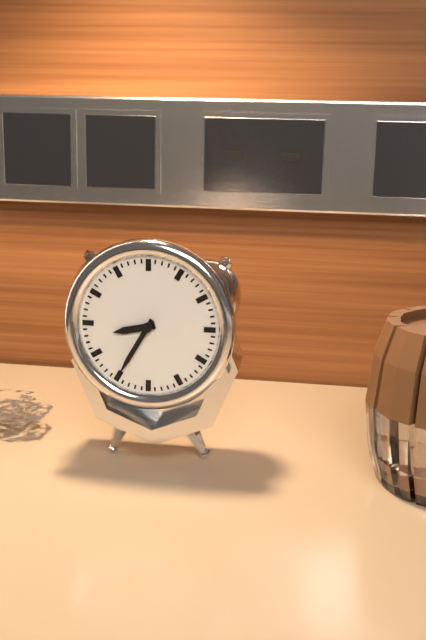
{"hour": 8, "minute": 35}
